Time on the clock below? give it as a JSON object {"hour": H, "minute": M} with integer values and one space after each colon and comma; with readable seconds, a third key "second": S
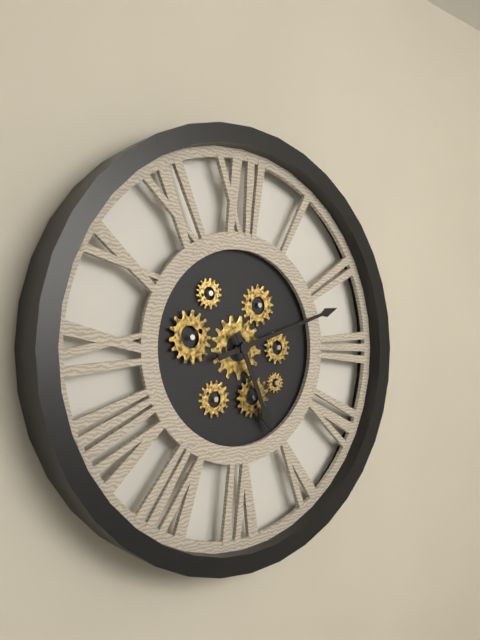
{"hour": 5, "minute": 12}
